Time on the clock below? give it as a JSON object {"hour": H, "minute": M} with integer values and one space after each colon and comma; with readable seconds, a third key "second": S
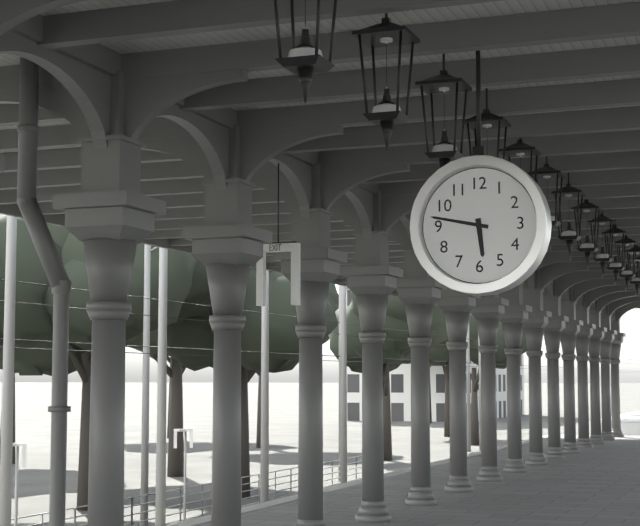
{"hour": 5, "minute": 47}
